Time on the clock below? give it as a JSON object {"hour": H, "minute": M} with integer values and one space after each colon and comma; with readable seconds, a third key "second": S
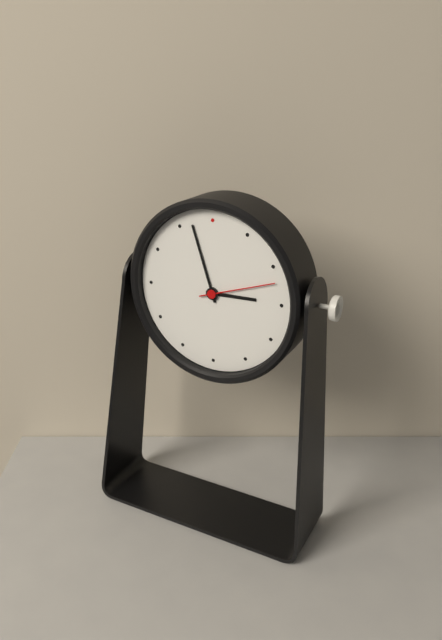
{"hour": 2, "minute": 57, "second": 12}
